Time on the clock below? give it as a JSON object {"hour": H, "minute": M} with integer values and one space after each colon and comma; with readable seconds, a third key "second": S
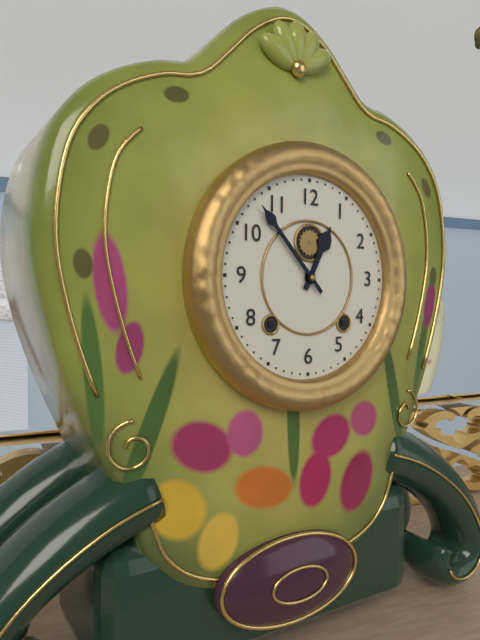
{"hour": 12, "minute": 53}
